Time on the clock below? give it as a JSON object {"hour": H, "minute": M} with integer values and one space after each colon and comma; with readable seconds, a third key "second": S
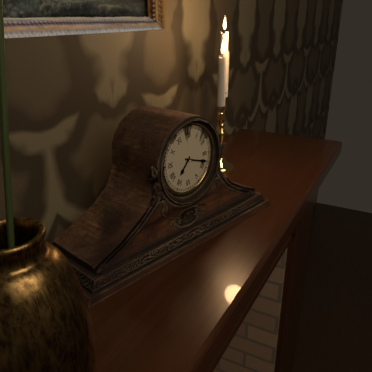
{"hour": 7, "minute": 18}
